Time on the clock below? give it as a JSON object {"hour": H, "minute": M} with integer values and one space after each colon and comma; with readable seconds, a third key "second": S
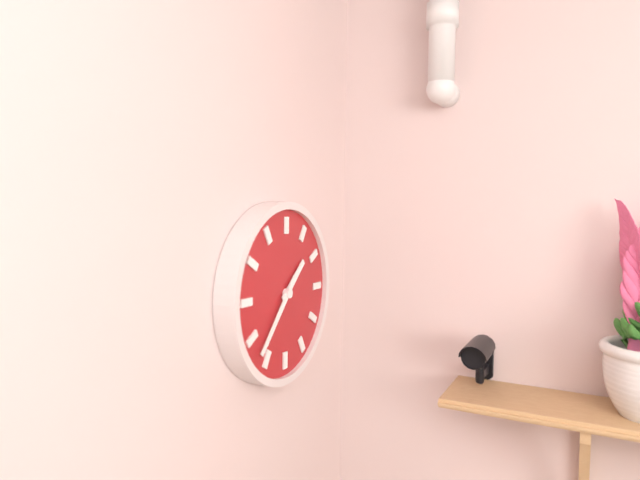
{"hour": 1, "minute": 37}
